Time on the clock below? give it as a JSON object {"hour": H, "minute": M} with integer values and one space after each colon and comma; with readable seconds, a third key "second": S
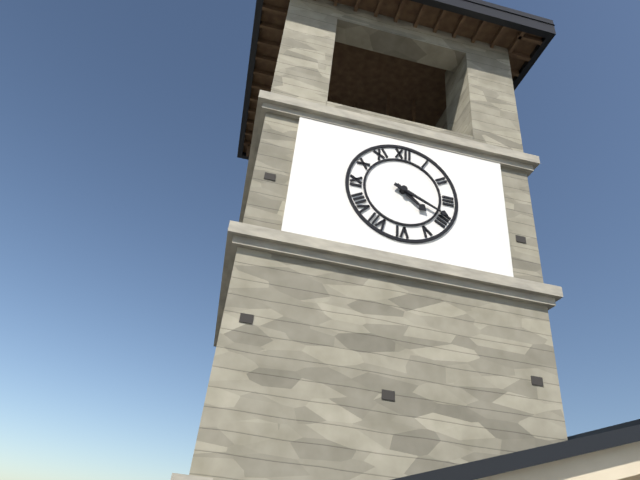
{"hour": 4, "minute": 19}
